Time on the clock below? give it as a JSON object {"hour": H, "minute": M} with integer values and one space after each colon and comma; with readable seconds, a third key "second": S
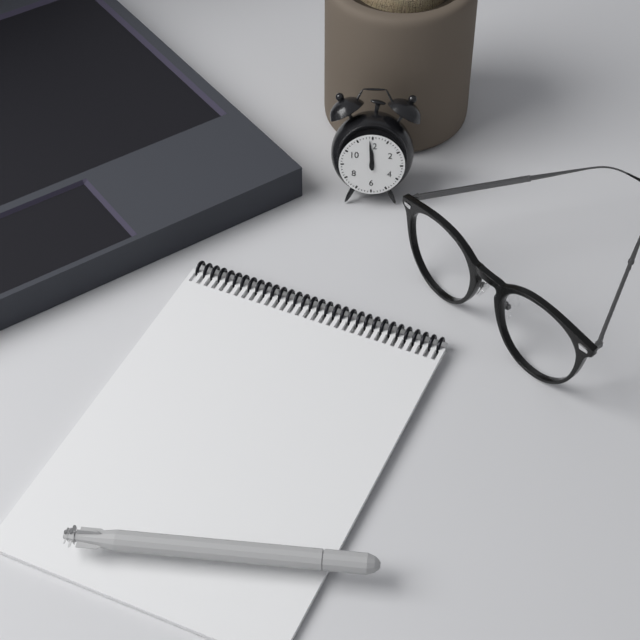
{"hour": 11, "minute": 59}
